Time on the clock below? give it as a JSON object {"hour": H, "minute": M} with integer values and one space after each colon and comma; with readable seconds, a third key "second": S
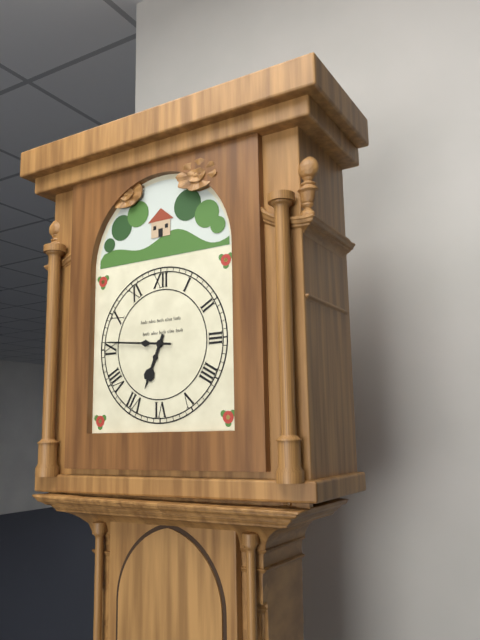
{"hour": 6, "minute": 46}
